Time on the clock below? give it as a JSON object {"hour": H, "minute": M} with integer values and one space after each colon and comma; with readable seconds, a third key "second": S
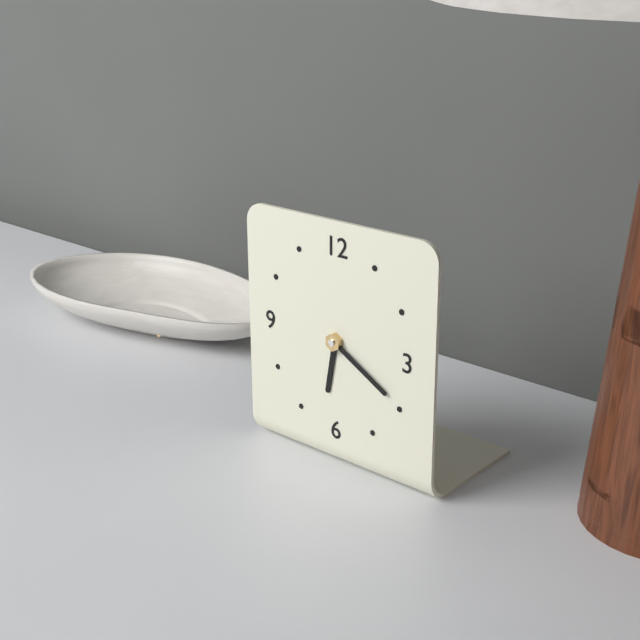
{"hour": 6, "minute": 20}
